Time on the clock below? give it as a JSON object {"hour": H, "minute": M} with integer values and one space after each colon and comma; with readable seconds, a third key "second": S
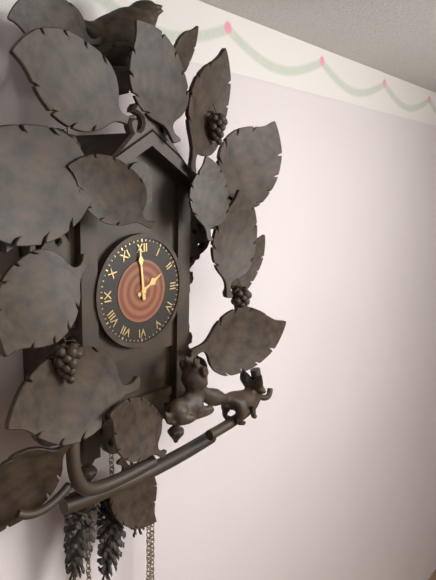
{"hour": 1, "minute": 59}
